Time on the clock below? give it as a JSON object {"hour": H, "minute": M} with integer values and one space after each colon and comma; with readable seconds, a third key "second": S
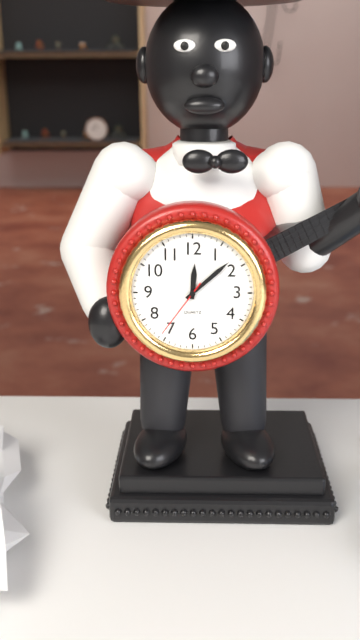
{"hour": 12, "minute": 8, "second": 36}
